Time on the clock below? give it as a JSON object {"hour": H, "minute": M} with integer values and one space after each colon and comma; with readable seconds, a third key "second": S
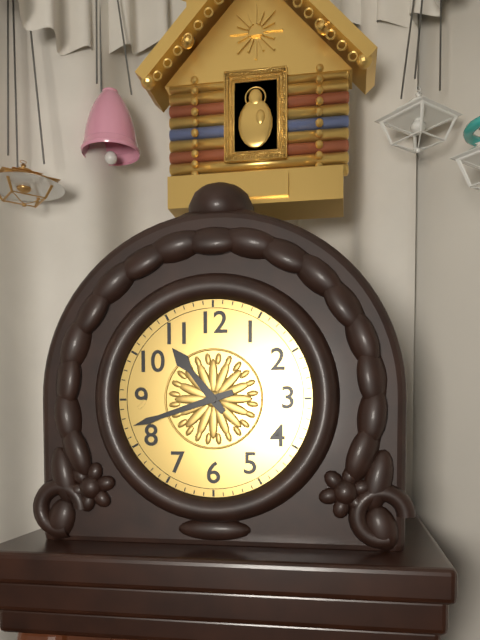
{"hour": 10, "minute": 42}
